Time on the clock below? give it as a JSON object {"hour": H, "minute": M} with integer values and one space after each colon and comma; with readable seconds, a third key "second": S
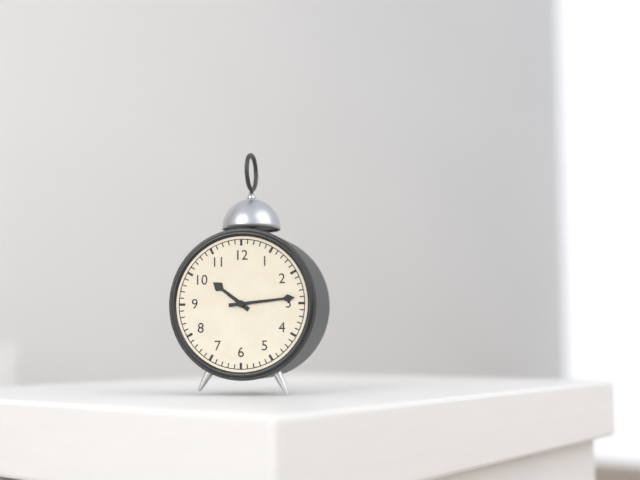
{"hour": 10, "minute": 14}
